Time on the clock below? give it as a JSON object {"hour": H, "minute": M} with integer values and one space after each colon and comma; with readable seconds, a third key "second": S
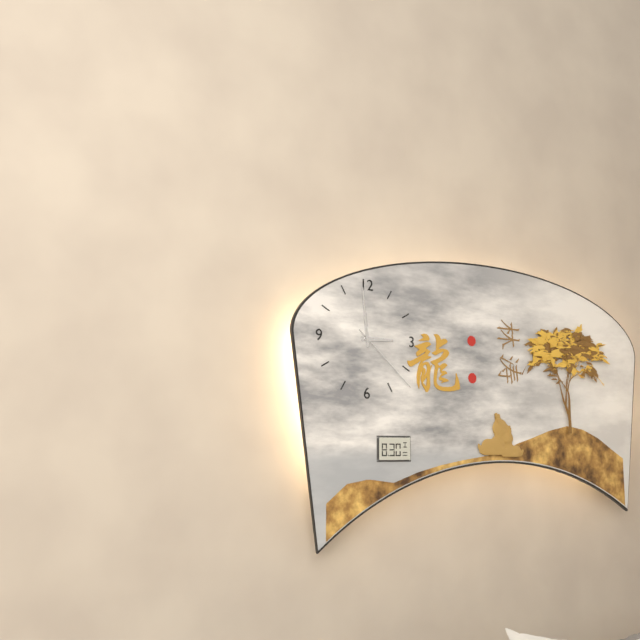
{"hour": 2, "minute": 59, "second": 22}
